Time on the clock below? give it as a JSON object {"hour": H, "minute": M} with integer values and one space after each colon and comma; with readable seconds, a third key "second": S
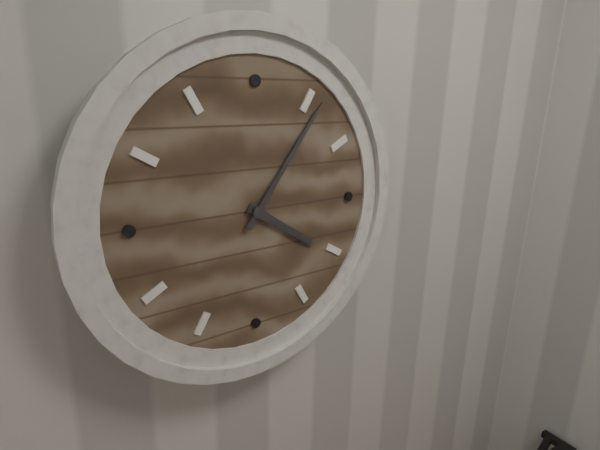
{"hour": 4, "minute": 6}
